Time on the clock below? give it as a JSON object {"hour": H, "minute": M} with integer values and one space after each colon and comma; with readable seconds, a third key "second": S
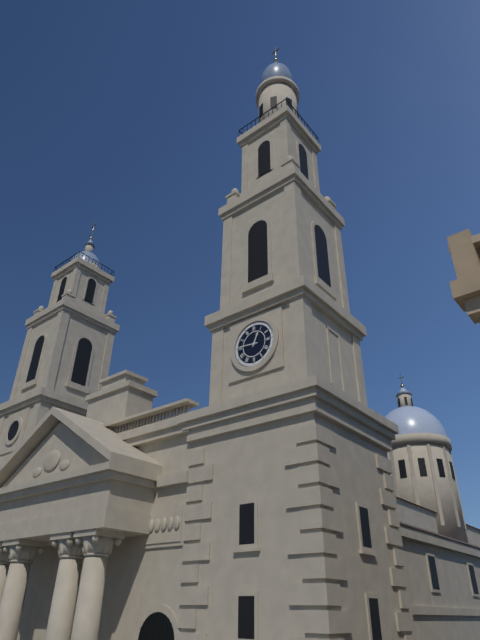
{"hour": 12, "minute": 46}
